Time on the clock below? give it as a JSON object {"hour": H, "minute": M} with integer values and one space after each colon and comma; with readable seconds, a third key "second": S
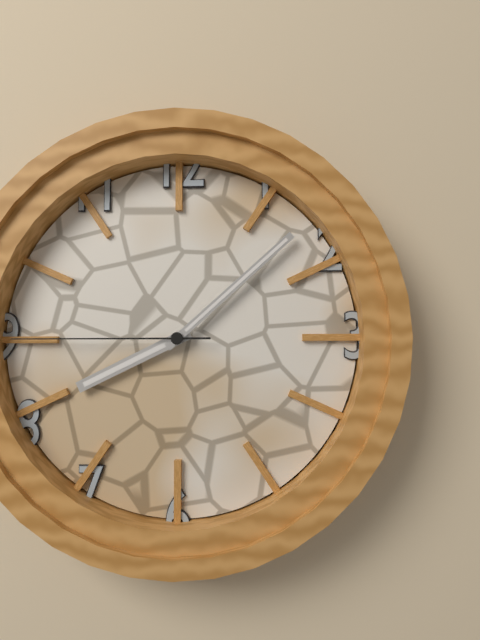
{"hour": 8, "minute": 8, "second": 45}
